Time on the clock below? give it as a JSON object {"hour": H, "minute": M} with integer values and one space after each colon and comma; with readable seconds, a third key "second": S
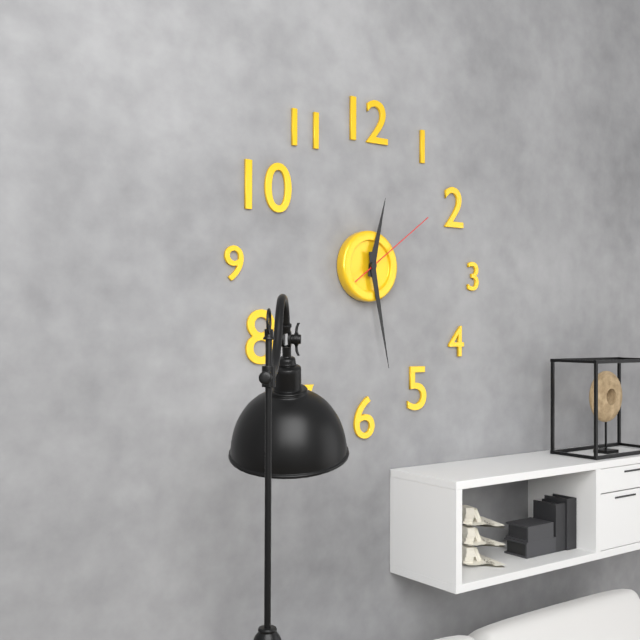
{"hour": 12, "minute": 28, "second": 9}
